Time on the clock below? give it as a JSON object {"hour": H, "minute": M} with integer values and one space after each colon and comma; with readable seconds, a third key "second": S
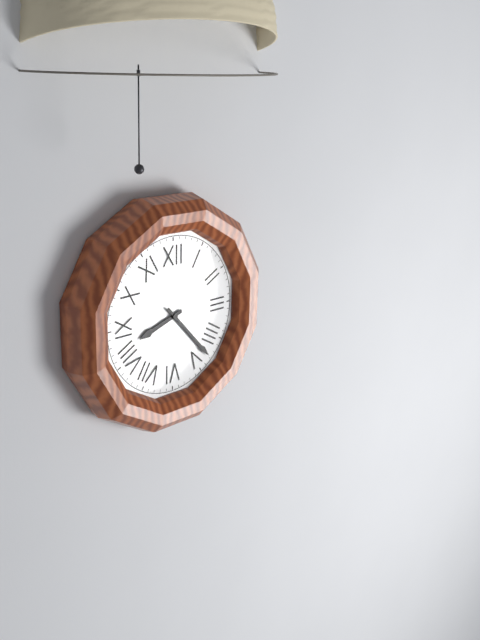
{"hour": 8, "minute": 23}
